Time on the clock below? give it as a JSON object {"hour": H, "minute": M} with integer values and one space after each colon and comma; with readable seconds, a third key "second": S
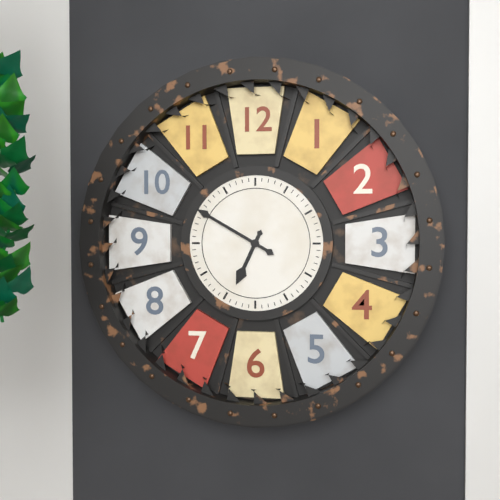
{"hour": 6, "minute": 50}
